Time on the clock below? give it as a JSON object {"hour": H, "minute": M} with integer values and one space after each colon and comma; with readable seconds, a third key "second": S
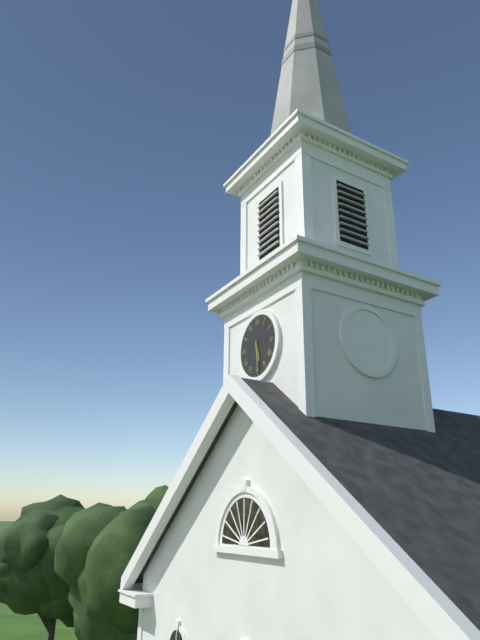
{"hour": 5, "minute": 29}
